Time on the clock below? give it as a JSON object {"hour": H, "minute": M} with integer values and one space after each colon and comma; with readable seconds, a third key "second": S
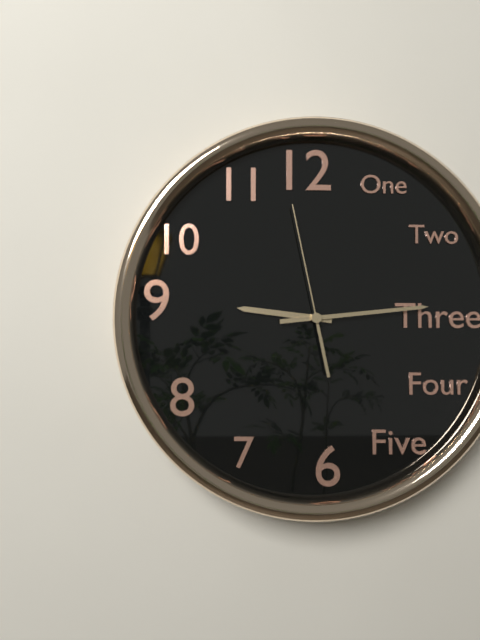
{"hour": 9, "minute": 14, "second": 58}
